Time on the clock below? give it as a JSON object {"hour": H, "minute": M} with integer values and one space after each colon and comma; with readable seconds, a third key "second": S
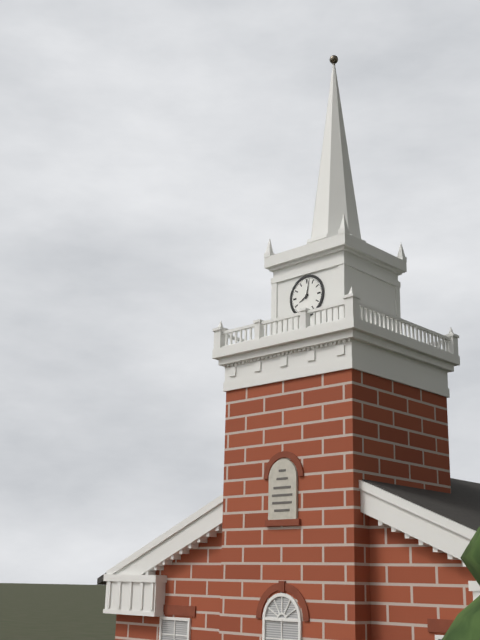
{"hour": 8, "minute": 2}
